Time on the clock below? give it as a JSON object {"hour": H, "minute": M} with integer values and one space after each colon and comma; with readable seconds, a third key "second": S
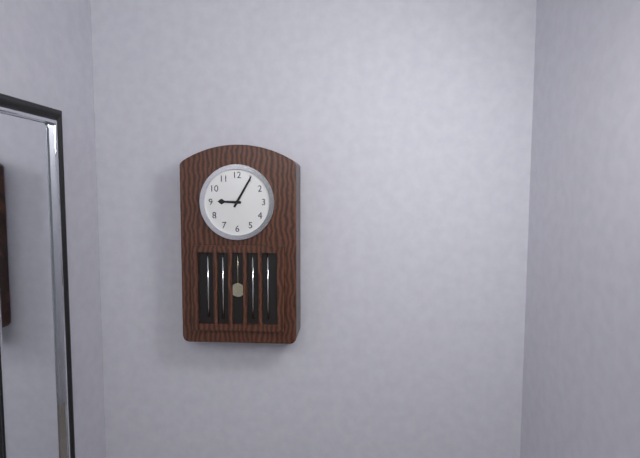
{"hour": 9, "minute": 5}
